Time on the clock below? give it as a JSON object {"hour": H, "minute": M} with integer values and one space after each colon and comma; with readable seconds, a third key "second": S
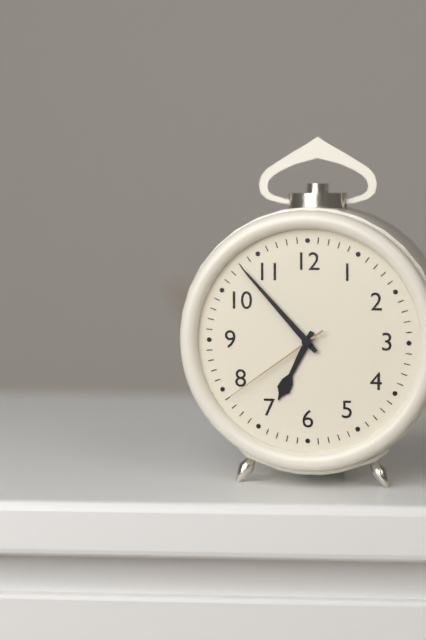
{"hour": 6, "minute": 53, "second": 39}
